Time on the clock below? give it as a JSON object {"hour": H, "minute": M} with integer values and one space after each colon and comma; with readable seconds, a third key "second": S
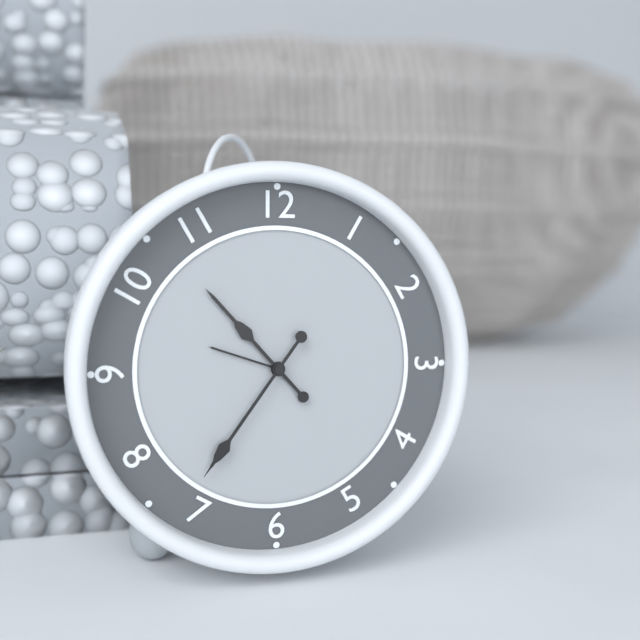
{"hour": 10, "minute": 36}
